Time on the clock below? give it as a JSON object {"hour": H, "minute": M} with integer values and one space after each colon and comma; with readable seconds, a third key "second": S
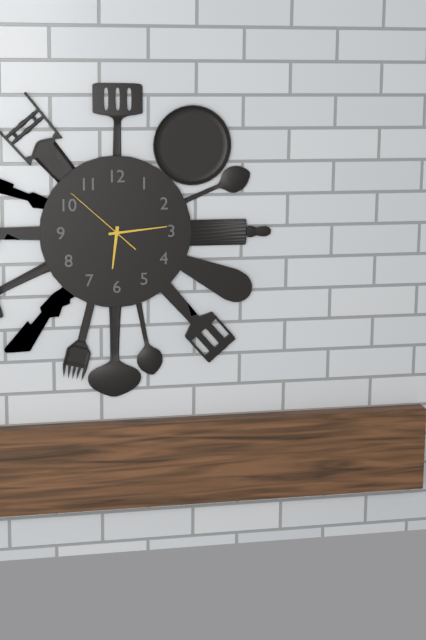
{"hour": 6, "minute": 14, "second": 52}
